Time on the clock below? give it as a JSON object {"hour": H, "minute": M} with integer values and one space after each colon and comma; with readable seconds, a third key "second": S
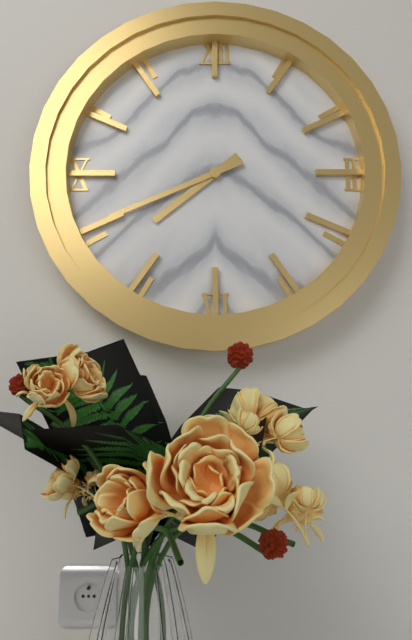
{"hour": 7, "minute": 41}
